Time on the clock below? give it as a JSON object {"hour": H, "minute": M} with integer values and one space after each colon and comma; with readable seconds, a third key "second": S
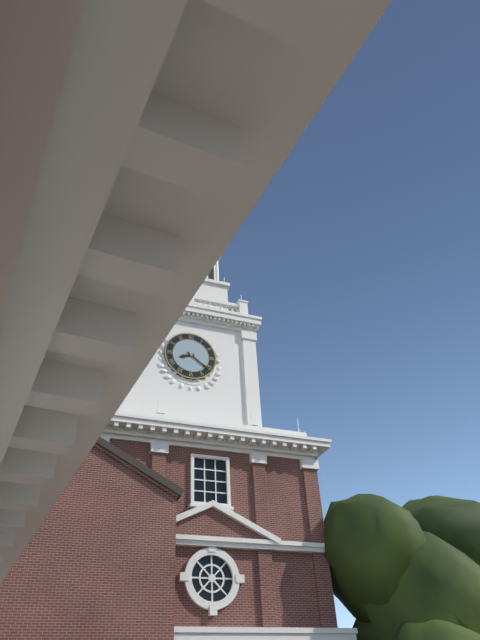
{"hour": 8, "minute": 21}
